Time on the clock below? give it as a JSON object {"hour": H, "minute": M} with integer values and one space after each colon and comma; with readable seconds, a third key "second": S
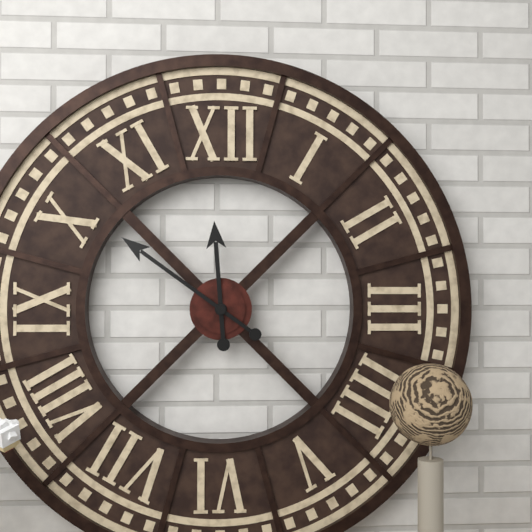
{"hour": 11, "minute": 51}
